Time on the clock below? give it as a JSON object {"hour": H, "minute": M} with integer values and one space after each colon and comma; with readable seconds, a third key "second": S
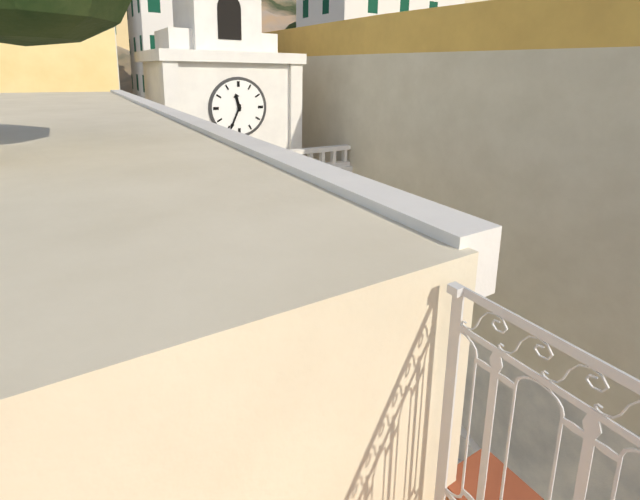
{"hour": 11, "minute": 34}
